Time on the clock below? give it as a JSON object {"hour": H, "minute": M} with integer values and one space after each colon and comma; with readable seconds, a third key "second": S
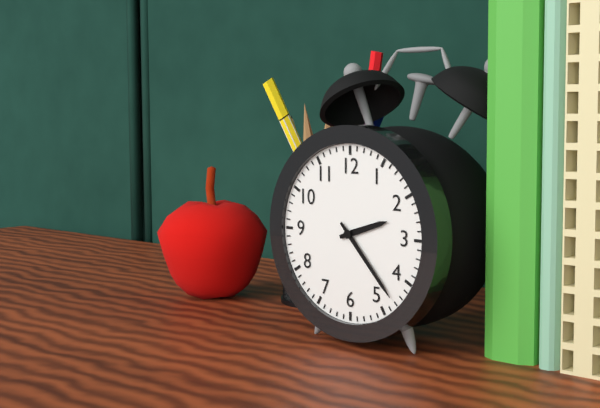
{"hour": 2, "minute": 23}
